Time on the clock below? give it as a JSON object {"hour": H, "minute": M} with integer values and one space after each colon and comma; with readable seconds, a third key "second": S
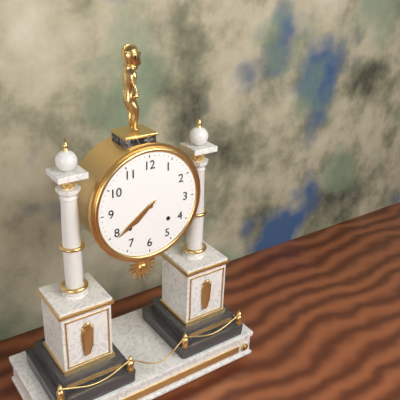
{"hour": 7, "minute": 39}
